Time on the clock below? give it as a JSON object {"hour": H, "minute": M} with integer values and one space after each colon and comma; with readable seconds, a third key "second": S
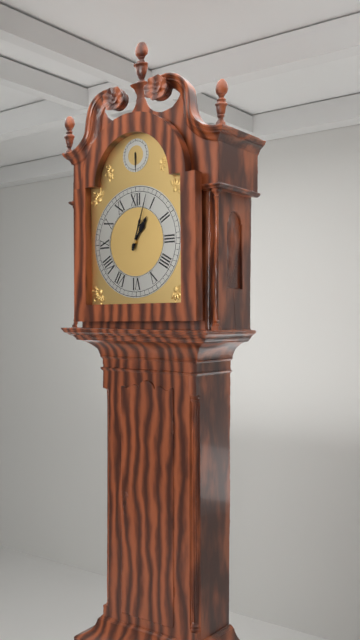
{"hour": 1, "minute": 3}
